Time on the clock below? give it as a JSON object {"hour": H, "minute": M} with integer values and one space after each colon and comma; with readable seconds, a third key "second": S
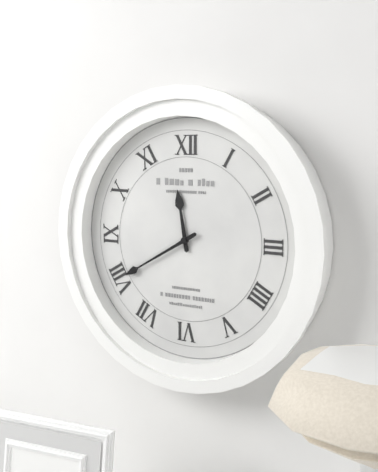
{"hour": 11, "minute": 40}
